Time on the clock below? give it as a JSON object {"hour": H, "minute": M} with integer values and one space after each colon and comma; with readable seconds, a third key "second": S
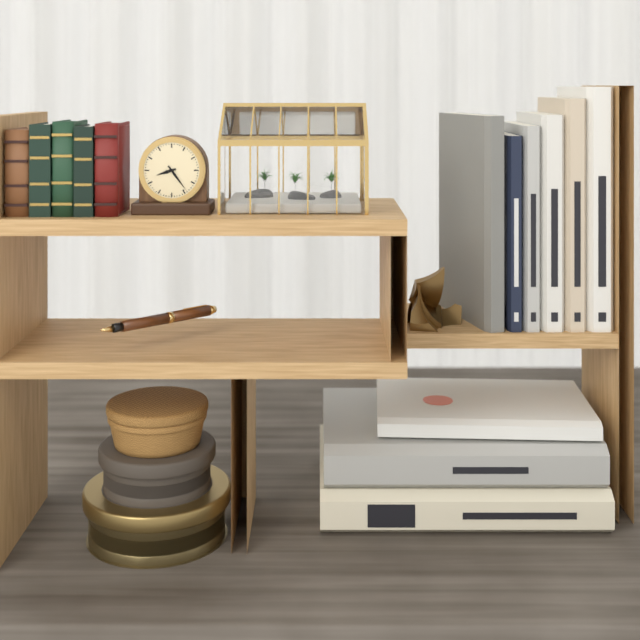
{"hour": 8, "minute": 24}
